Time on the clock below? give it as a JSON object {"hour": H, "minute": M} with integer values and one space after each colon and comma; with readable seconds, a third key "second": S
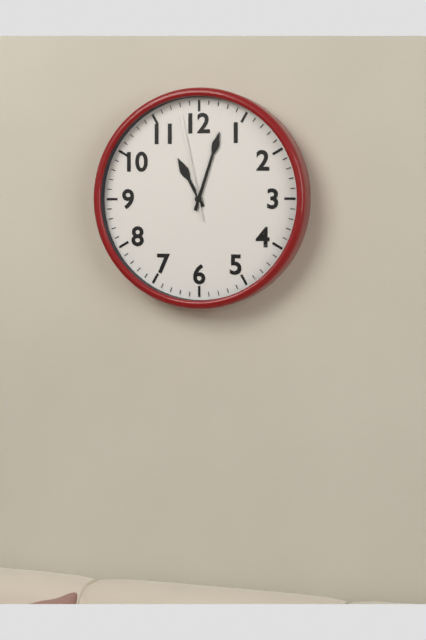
{"hour": 11, "minute": 3, "second": 58}
